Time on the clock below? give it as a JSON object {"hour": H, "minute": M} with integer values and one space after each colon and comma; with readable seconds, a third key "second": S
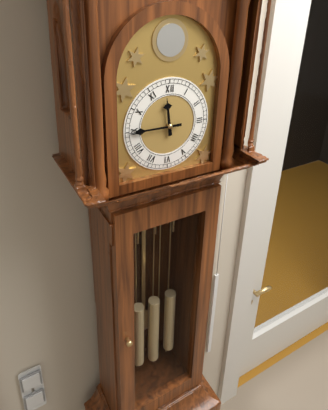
{"hour": 11, "minute": 45}
